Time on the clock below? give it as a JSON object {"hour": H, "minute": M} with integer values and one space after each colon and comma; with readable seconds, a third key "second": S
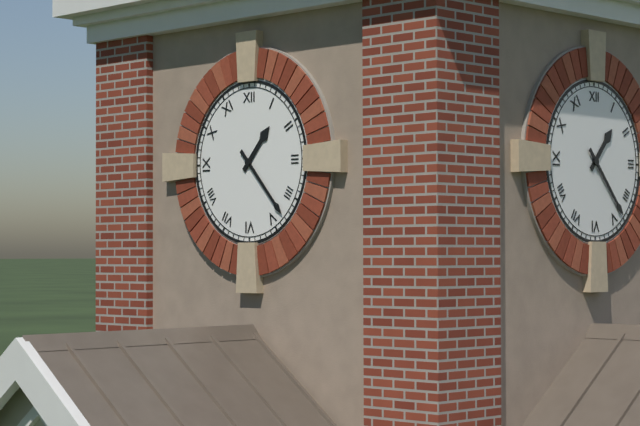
{"hour": 1, "minute": 23}
